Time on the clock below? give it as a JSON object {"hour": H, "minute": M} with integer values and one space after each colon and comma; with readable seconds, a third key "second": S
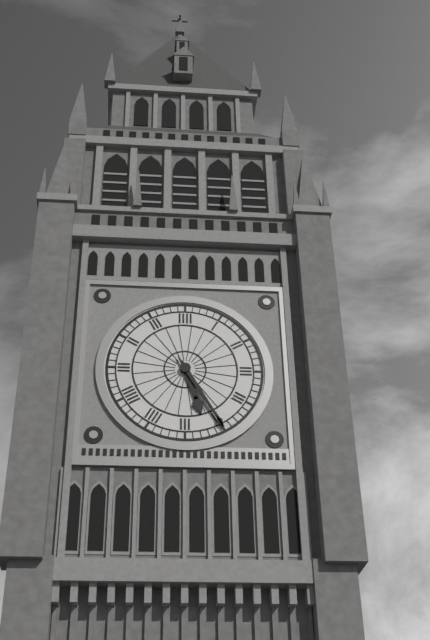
{"hour": 5, "minute": 25}
